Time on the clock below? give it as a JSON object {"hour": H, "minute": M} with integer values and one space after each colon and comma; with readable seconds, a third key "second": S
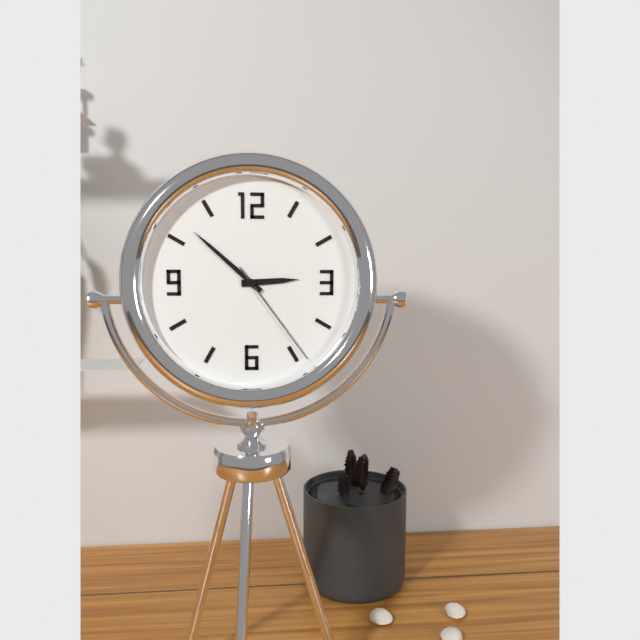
{"hour": 2, "minute": 52, "second": 24}
